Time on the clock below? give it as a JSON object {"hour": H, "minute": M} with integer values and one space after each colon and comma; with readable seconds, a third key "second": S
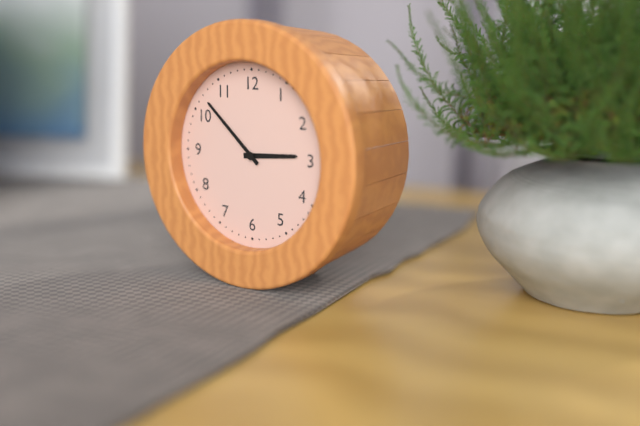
{"hour": 2, "minute": 52}
